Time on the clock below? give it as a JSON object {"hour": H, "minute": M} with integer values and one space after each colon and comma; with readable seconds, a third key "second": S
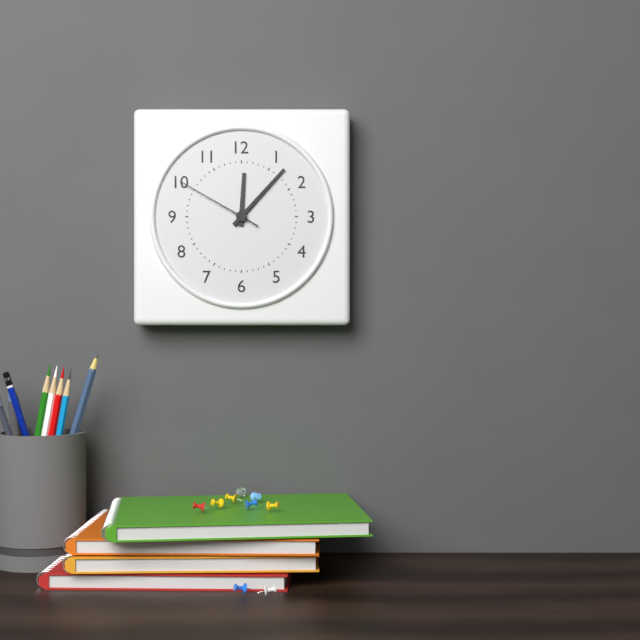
{"hour": 12, "minute": 7, "second": 50}
